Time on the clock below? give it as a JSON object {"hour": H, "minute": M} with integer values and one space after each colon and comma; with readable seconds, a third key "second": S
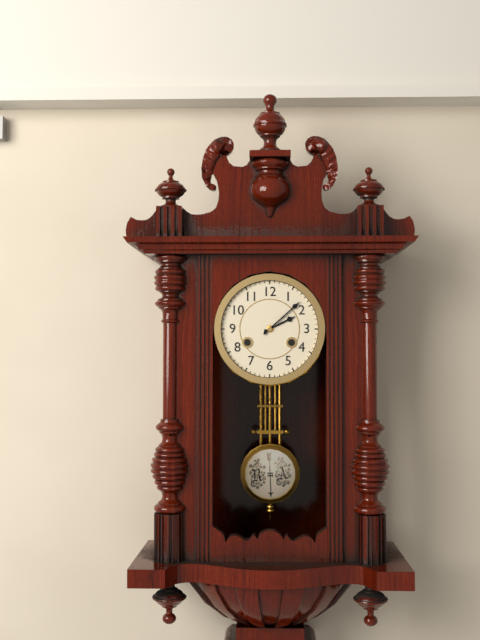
{"hour": 2, "minute": 8}
